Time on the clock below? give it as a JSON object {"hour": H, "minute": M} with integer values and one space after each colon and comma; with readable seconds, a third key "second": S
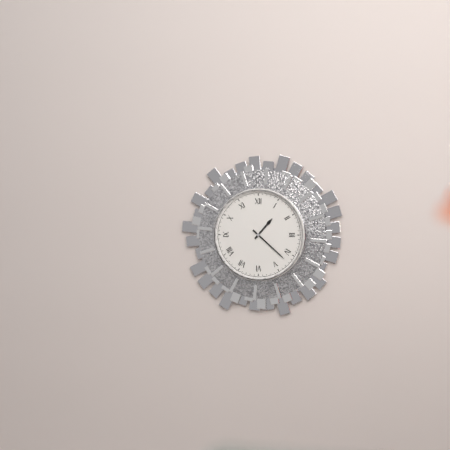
{"hour": 1, "minute": 22}
